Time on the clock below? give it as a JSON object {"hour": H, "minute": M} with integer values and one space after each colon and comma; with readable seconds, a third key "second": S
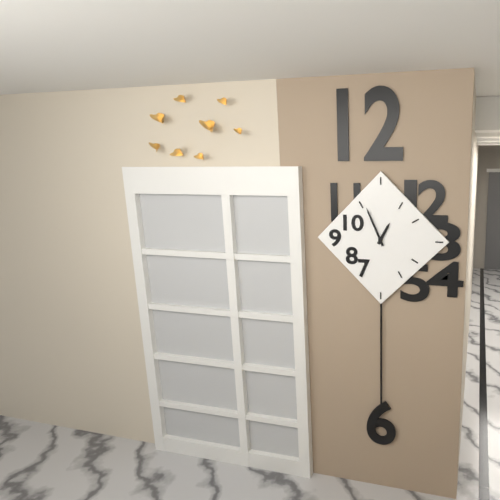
{"hour": 12, "minute": 56}
